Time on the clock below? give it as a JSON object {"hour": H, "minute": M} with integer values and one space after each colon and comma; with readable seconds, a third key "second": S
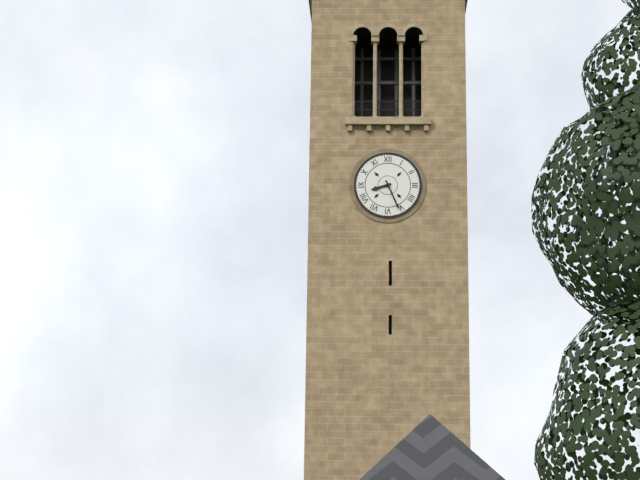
{"hour": 8, "minute": 26}
